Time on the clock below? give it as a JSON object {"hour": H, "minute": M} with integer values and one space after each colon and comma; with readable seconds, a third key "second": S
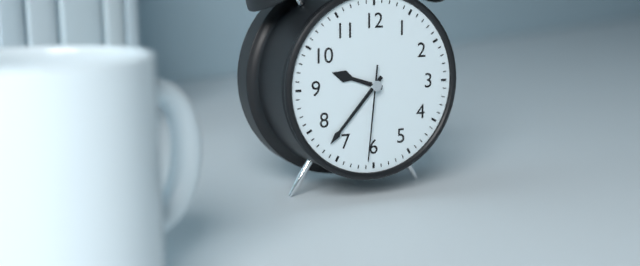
{"hour": 9, "minute": 37, "second": 31}
